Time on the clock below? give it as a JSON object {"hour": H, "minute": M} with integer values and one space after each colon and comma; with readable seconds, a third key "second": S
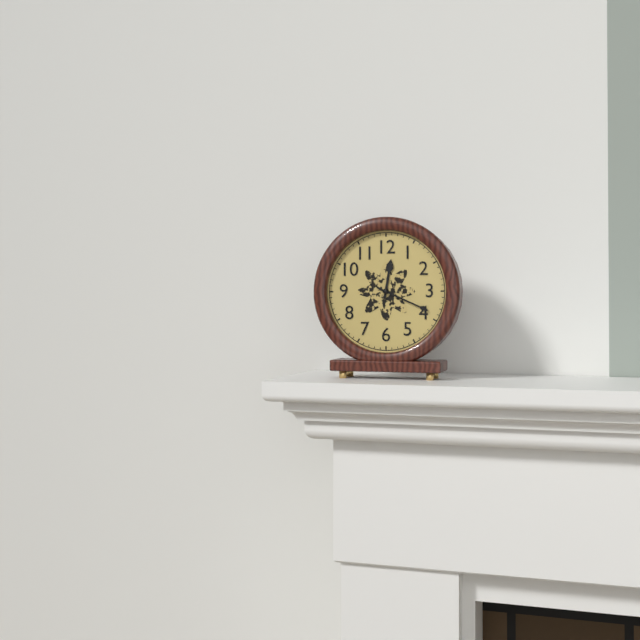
{"hour": 12, "minute": 19}
